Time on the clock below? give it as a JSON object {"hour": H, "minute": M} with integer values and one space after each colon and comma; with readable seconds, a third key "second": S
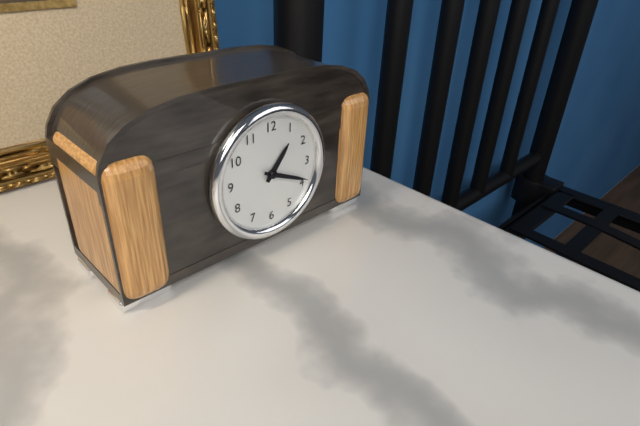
{"hour": 1, "minute": 19}
